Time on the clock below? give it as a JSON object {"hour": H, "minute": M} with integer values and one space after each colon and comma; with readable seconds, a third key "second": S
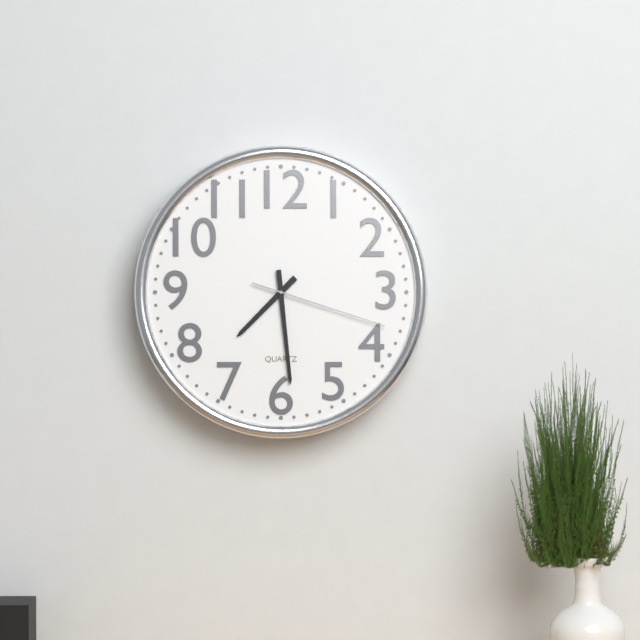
{"hour": 7, "minute": 29, "second": 18}
